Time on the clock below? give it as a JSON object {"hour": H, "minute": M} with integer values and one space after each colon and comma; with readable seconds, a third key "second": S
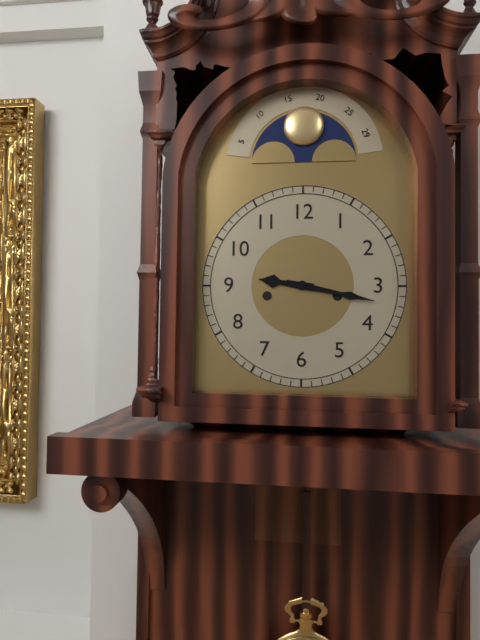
{"hour": 9, "minute": 17}
